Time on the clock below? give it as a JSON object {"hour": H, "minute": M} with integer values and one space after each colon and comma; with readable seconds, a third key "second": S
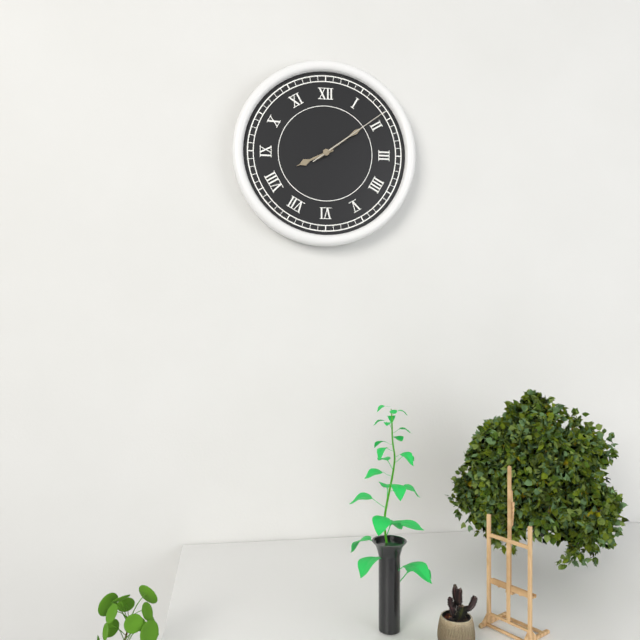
{"hour": 8, "minute": 9, "second": 9}
